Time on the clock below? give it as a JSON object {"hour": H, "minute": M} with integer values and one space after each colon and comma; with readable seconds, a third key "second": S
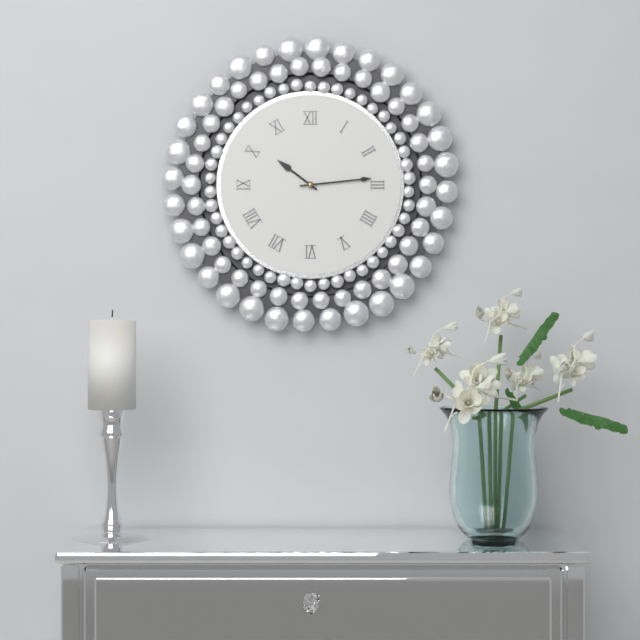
{"hour": 10, "minute": 14}
